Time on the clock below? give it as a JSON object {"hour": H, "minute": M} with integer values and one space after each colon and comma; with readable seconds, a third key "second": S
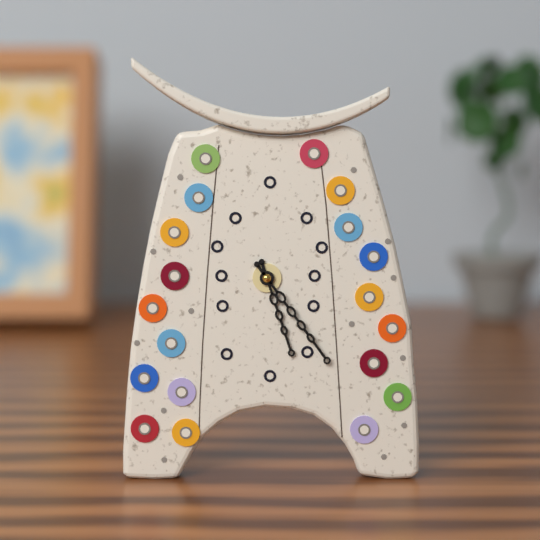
{"hour": 5, "minute": 24}
